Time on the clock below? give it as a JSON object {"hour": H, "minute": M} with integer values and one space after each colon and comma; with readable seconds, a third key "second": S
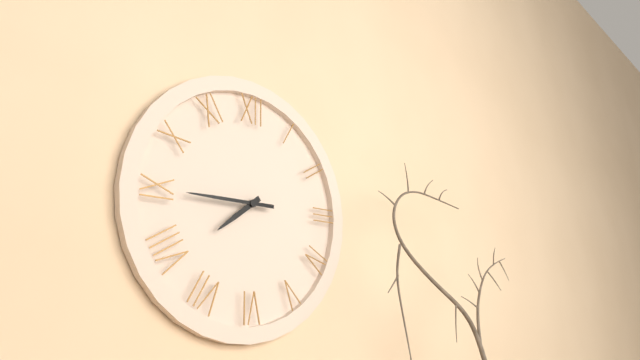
{"hour": 7, "minute": 45}
